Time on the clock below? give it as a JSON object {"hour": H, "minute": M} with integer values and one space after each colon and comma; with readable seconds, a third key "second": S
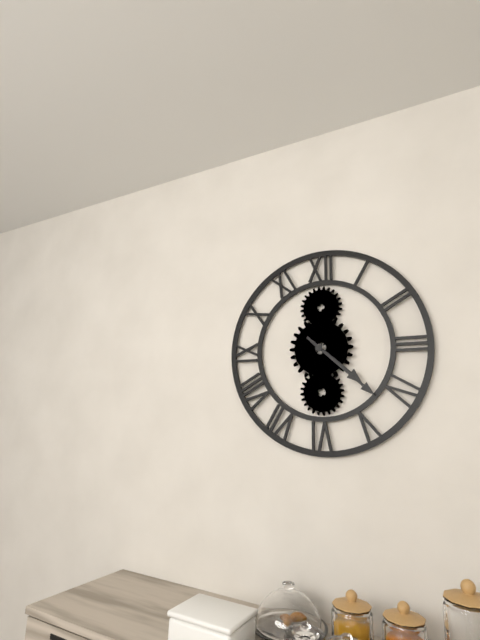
{"hour": 4, "minute": 22}
